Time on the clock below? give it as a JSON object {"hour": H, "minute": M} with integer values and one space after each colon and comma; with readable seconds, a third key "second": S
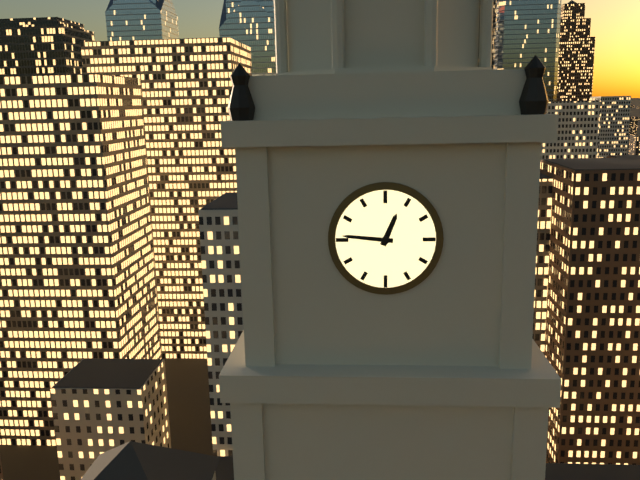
{"hour": 12, "minute": 46}
